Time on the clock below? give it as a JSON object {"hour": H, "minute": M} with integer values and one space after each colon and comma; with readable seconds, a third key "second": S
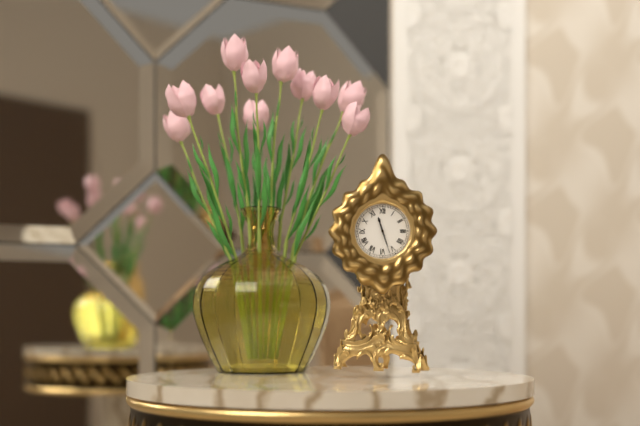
{"hour": 11, "minute": 27}
